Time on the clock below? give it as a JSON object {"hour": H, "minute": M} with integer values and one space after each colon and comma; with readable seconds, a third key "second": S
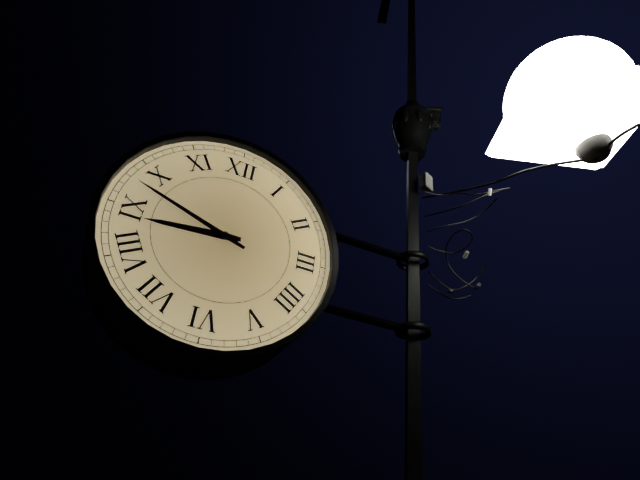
{"hour": 8, "minute": 48}
